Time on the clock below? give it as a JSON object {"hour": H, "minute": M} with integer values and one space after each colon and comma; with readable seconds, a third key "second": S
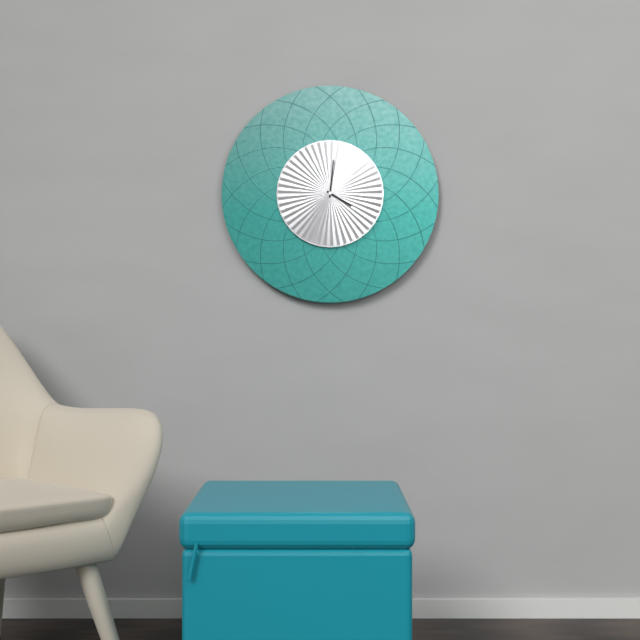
{"hour": 4, "minute": 1}
